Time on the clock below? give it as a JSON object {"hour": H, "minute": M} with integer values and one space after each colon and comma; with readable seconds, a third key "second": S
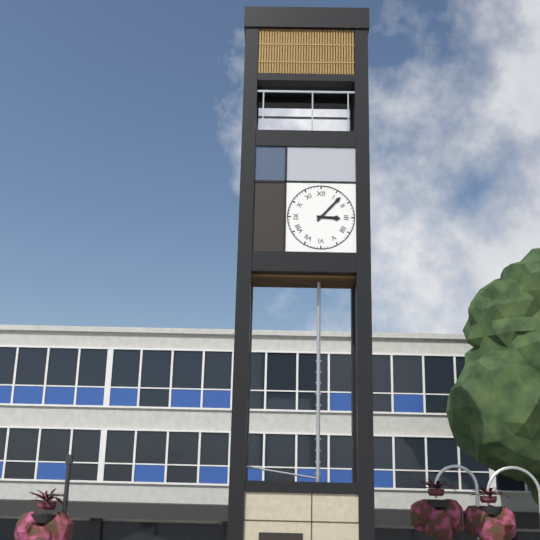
{"hour": 3, "minute": 7}
